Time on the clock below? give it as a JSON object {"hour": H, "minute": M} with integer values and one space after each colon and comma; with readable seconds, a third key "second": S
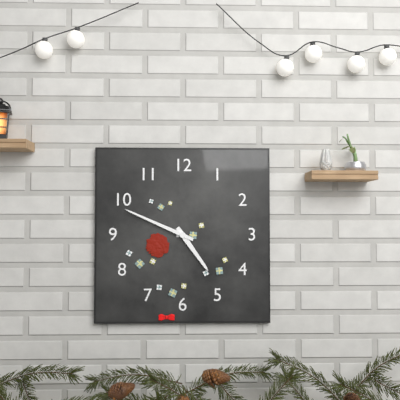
{"hour": 4, "minute": 49}
